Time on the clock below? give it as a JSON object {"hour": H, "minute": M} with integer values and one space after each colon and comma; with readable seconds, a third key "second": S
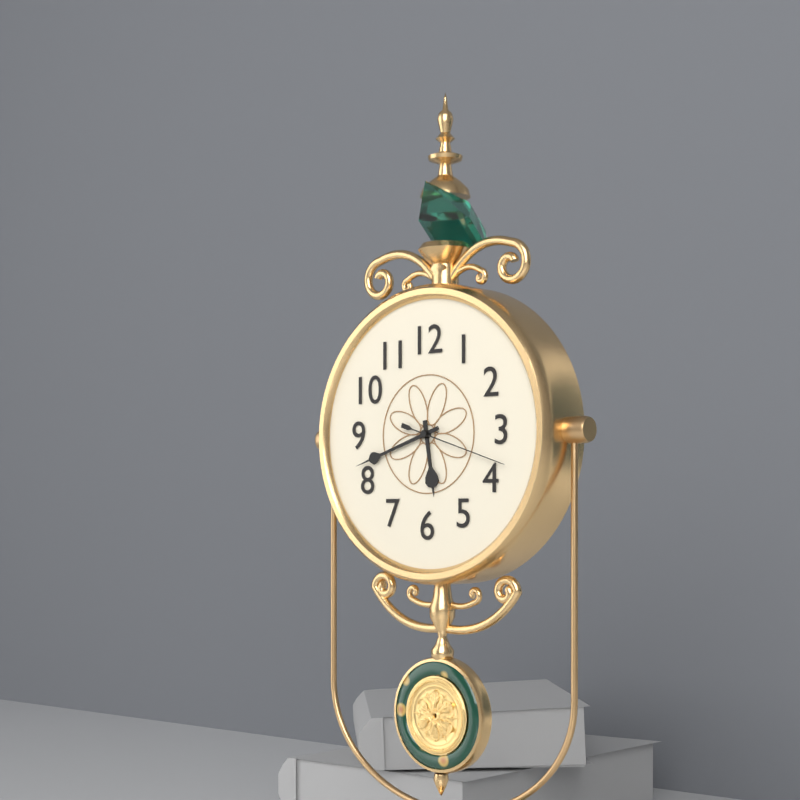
{"hour": 5, "minute": 42, "second": 18}
